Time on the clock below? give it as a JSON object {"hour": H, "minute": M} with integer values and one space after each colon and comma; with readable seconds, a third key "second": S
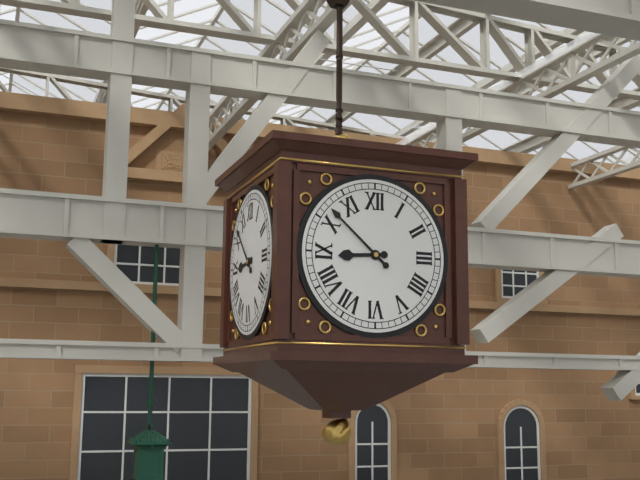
{"hour": 8, "minute": 52}
